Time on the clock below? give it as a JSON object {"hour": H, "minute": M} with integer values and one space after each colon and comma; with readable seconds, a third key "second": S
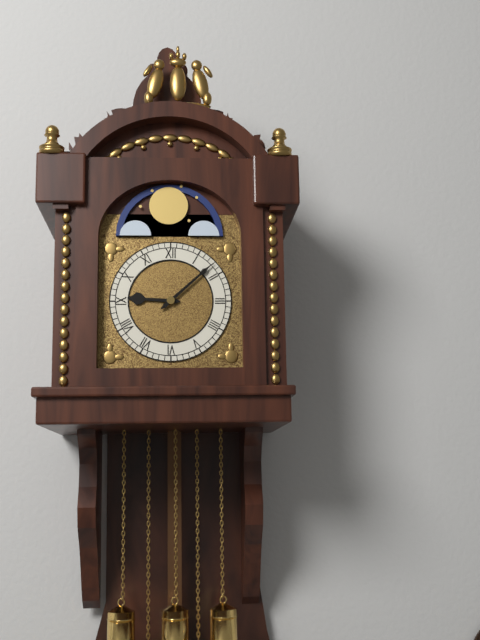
{"hour": 9, "minute": 8}
